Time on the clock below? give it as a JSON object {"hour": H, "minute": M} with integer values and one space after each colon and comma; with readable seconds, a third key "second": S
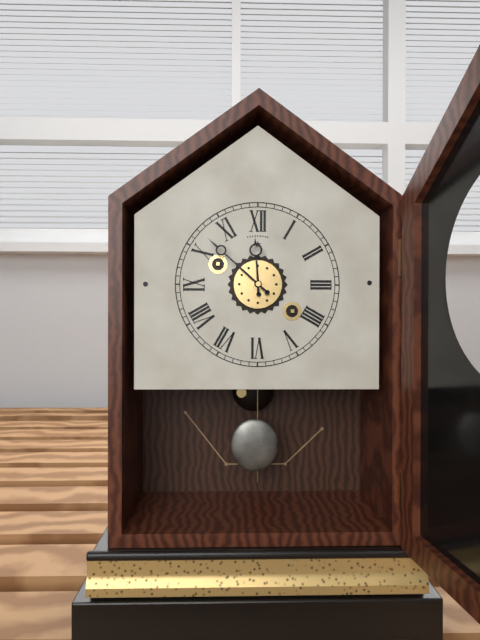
{"hour": 11, "minute": 52}
